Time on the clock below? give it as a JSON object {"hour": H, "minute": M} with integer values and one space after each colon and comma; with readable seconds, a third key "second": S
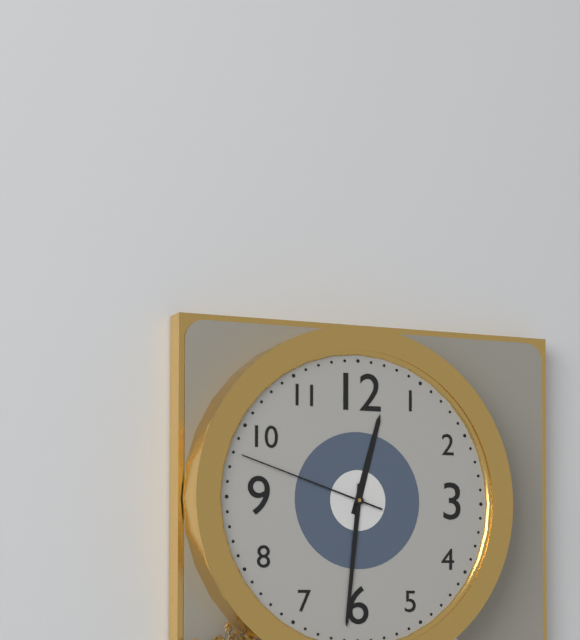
{"hour": 12, "minute": 31, "second": 48}
